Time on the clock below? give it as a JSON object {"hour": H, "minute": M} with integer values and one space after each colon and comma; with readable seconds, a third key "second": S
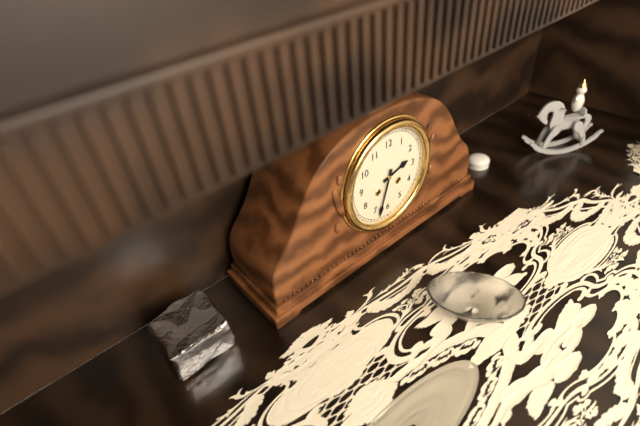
{"hour": 2, "minute": 33}
